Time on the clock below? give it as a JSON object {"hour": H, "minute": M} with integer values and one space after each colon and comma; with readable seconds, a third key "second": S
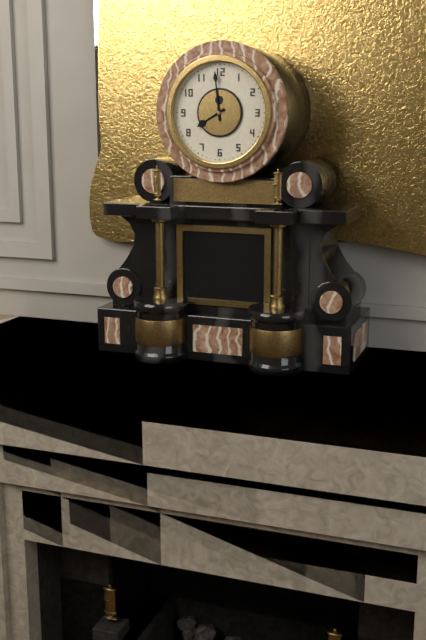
{"hour": 7, "minute": 59}
